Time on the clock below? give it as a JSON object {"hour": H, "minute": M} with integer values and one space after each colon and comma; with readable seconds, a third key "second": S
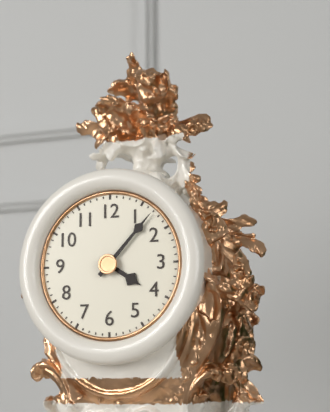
{"hour": 4, "minute": 7}
